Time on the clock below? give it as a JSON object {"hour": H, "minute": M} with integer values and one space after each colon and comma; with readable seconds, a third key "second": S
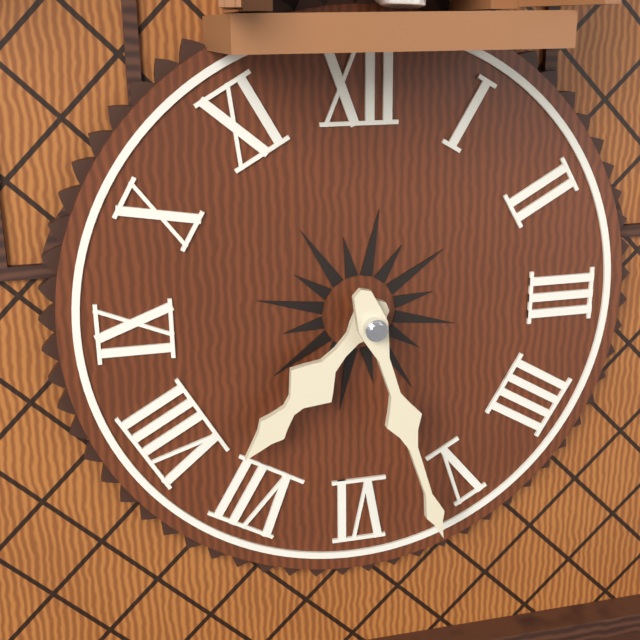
{"hour": 7, "minute": 27}
